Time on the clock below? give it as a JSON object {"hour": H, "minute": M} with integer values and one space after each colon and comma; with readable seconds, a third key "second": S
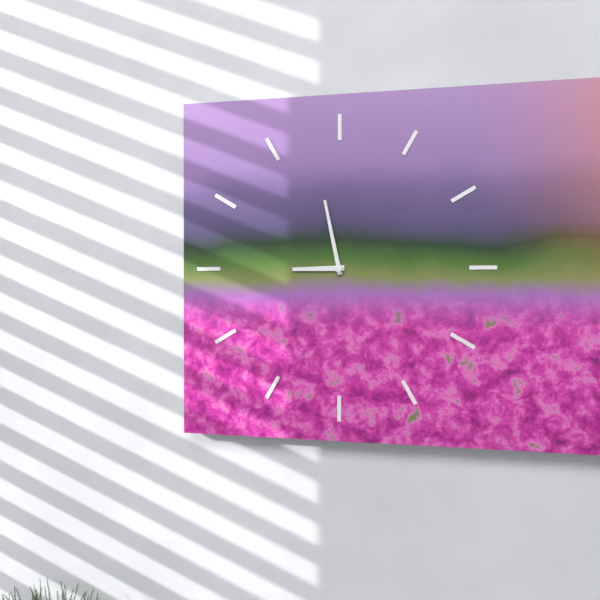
{"hour": 8, "minute": 58}
